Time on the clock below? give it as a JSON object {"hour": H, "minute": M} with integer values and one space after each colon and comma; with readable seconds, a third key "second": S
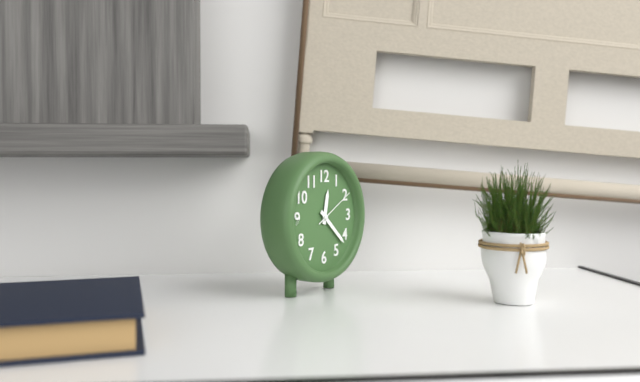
{"hour": 12, "minute": 22}
